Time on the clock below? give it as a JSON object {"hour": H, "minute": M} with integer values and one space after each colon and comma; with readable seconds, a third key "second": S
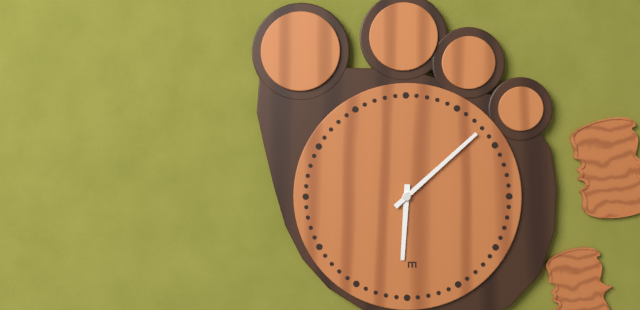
{"hour": 6, "minute": 8}
